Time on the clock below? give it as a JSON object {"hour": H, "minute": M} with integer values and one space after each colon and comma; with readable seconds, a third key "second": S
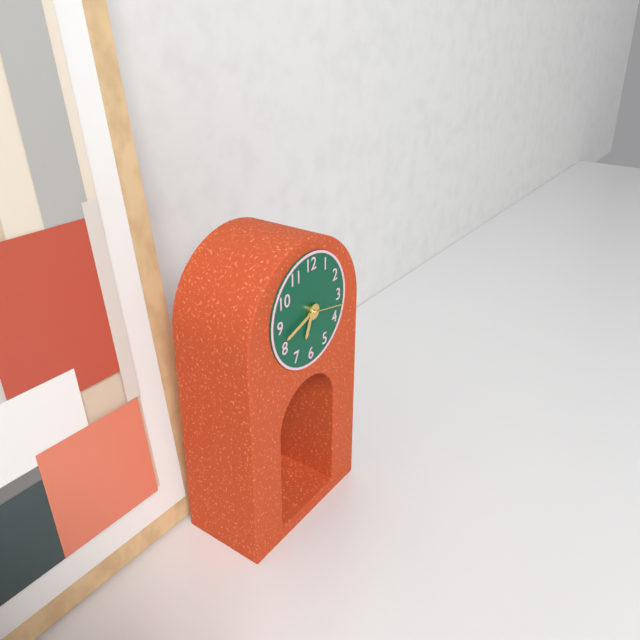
{"hour": 6, "minute": 42}
